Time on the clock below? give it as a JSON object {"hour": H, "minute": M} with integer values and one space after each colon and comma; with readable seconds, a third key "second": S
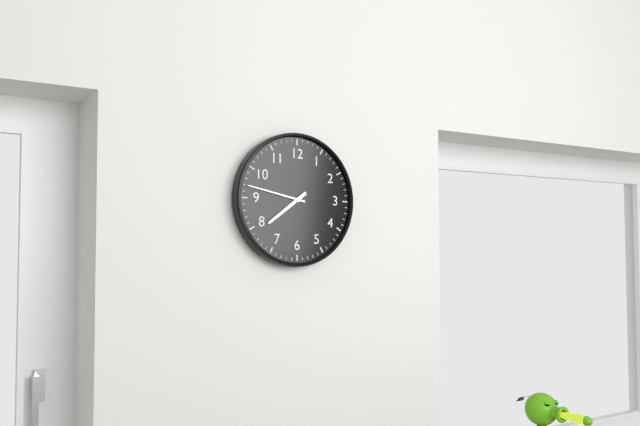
{"hour": 7, "minute": 47}
